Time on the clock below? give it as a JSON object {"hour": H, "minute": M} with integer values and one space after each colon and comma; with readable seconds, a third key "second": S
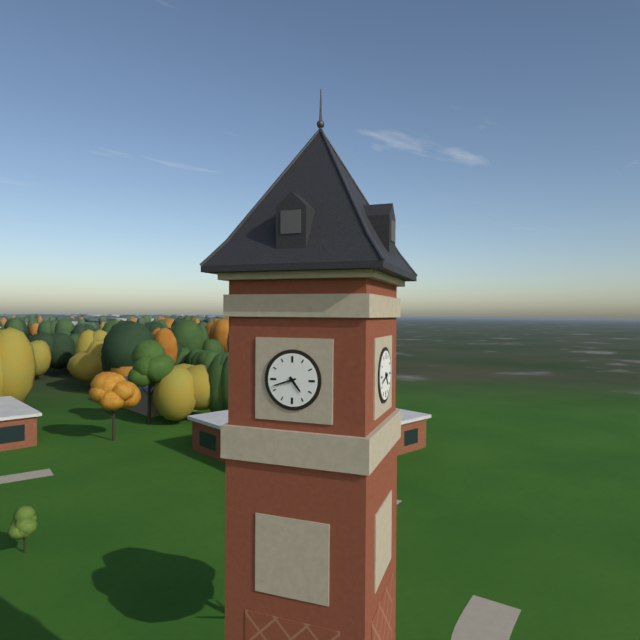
{"hour": 4, "minute": 42}
